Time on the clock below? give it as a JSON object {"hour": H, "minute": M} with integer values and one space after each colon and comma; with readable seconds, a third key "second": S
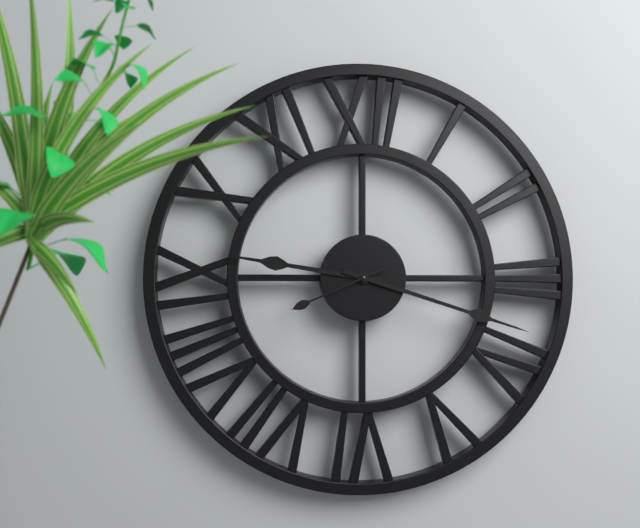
{"hour": 9, "minute": 18, "second": 41}
